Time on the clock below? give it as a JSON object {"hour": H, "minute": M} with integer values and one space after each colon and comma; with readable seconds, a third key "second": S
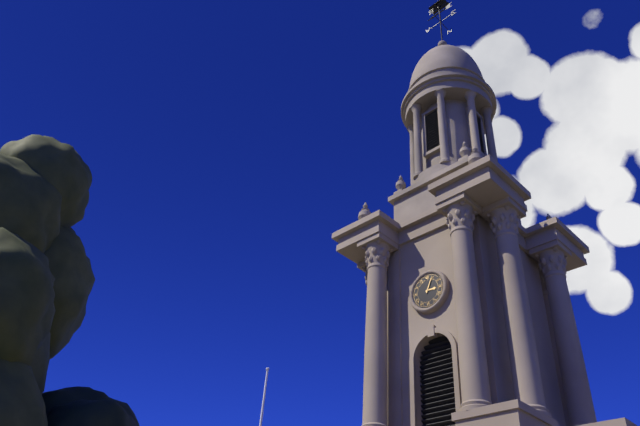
{"hour": 3, "minute": 4}
